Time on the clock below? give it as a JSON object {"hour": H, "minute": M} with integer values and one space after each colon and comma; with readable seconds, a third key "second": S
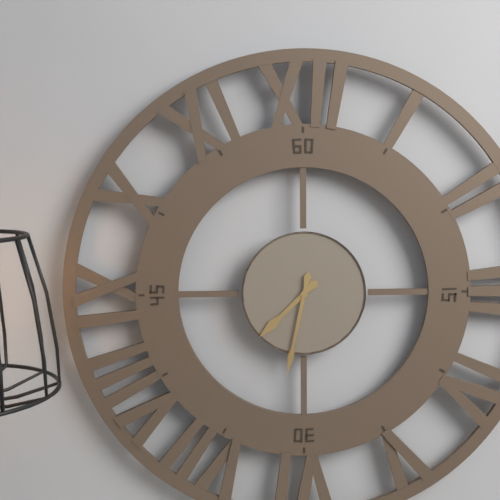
{"hour": 7, "minute": 32}
